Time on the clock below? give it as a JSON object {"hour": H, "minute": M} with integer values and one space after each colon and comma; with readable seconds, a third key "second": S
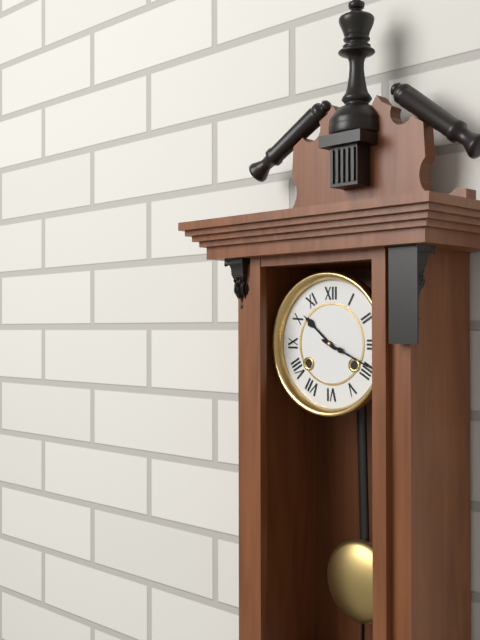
{"hour": 10, "minute": 19}
